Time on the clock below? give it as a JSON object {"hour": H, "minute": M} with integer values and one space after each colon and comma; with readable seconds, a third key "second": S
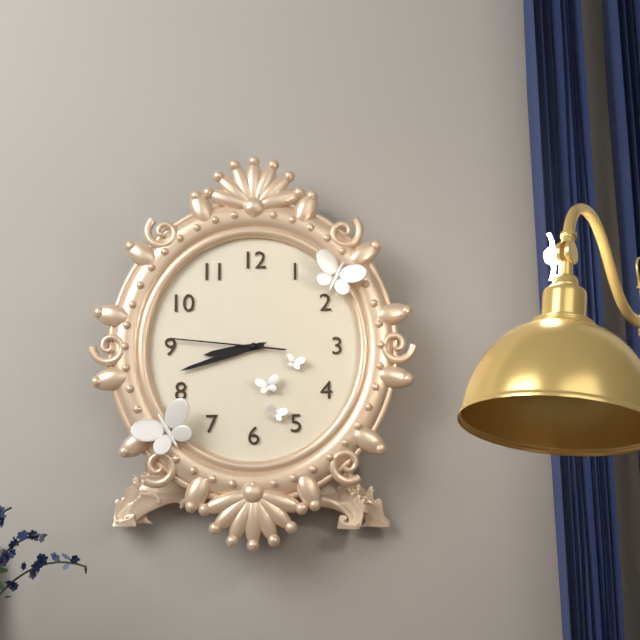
{"hour": 8, "minute": 42, "second": 46}
